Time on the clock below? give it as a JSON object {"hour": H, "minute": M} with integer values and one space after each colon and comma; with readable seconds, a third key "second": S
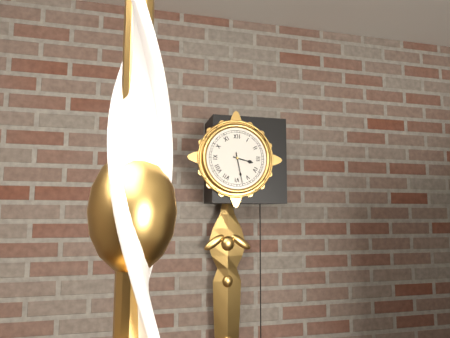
{"hour": 3, "minute": 28}
